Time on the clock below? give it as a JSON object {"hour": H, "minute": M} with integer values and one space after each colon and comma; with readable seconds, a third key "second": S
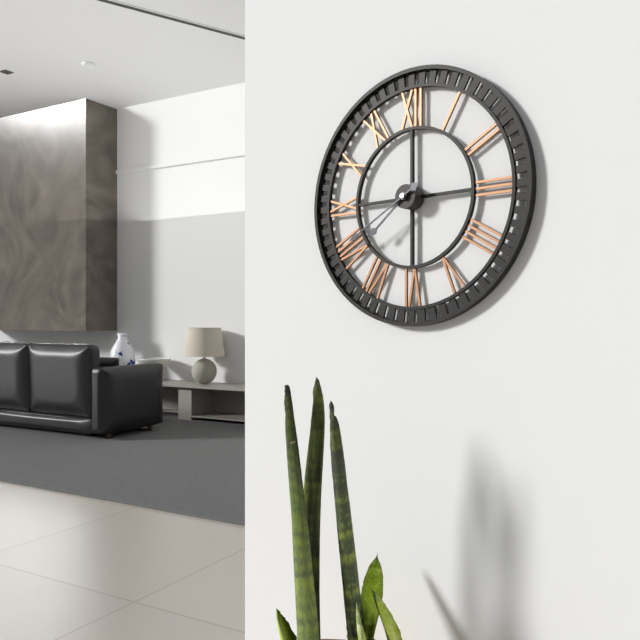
{"hour": 7, "minute": 40}
